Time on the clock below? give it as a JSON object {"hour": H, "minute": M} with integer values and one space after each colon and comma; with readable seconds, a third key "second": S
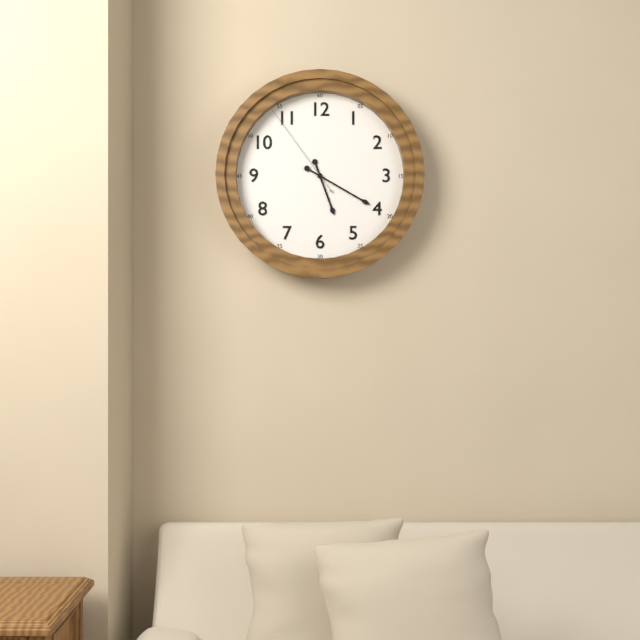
{"hour": 5, "minute": 20, "second": 54}
